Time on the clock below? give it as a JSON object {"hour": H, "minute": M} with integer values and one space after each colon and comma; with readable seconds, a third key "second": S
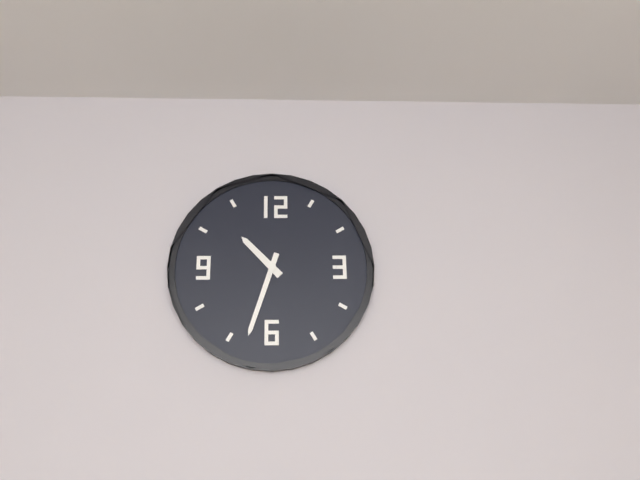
{"hour": 10, "minute": 33}
